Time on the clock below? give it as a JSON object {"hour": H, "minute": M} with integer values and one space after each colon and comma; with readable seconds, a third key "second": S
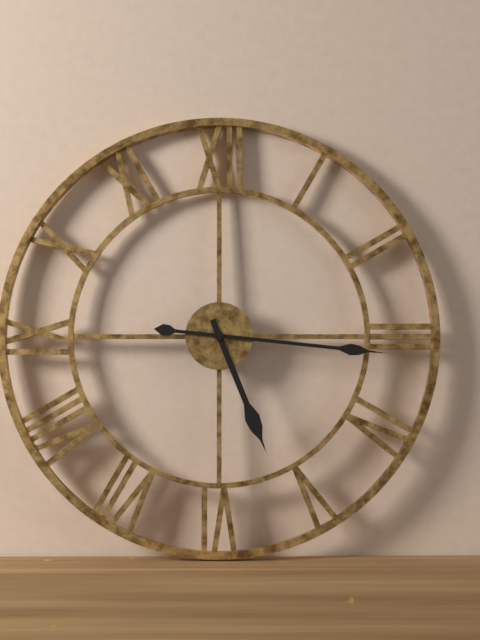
{"hour": 5, "minute": 16}
